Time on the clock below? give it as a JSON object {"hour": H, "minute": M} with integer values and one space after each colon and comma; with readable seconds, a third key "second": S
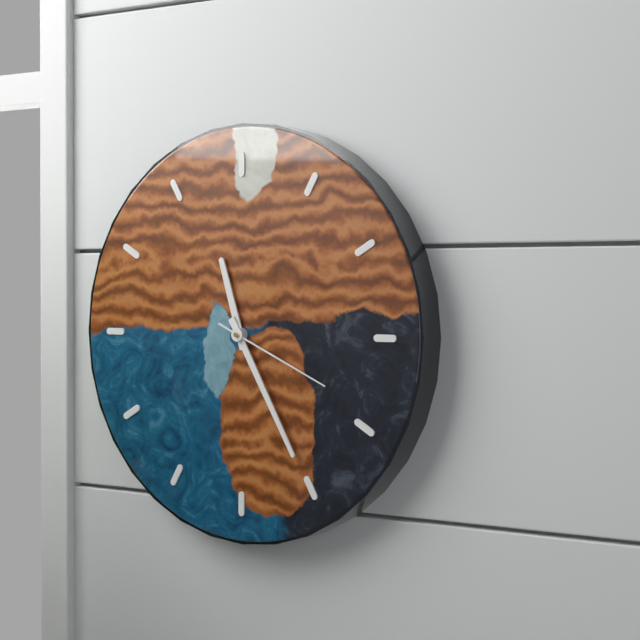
{"hour": 11, "minute": 25, "second": 19}
